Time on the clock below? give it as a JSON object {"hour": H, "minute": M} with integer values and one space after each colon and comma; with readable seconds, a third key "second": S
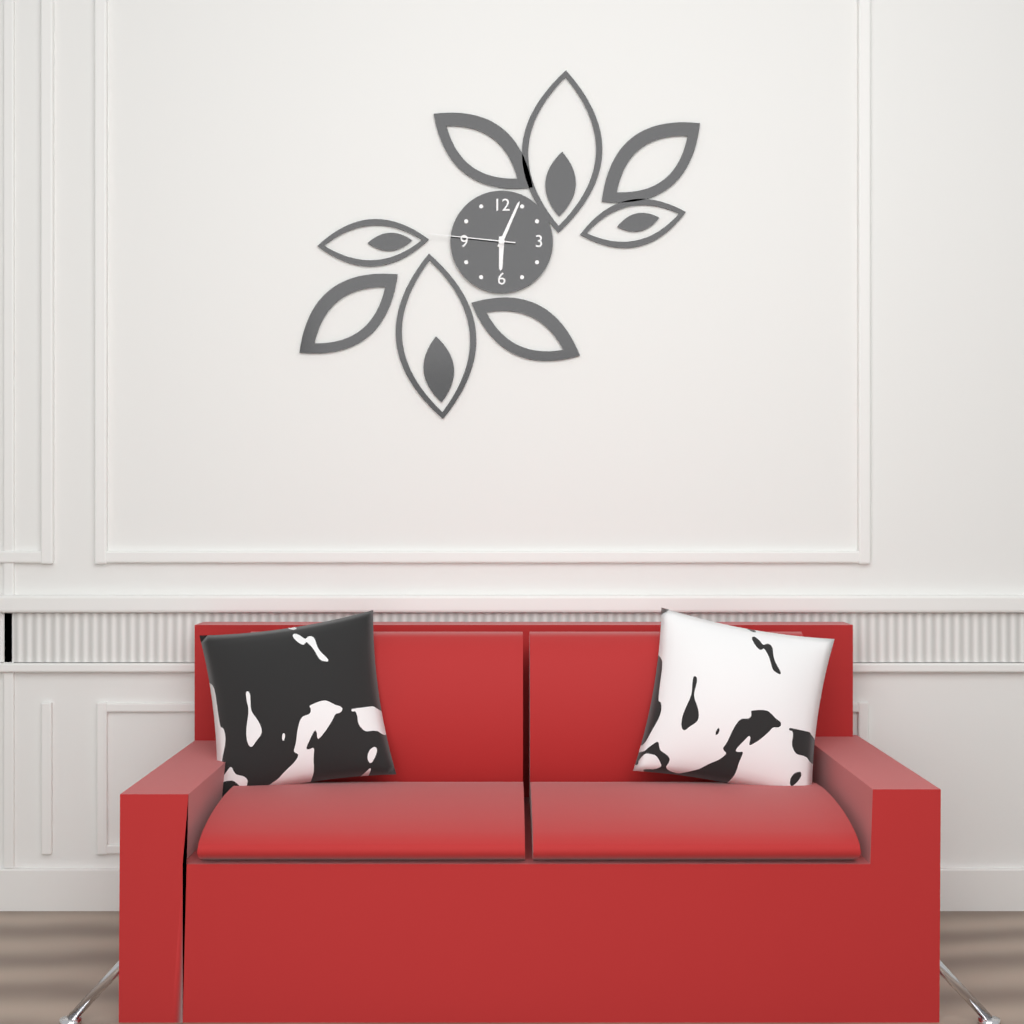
{"hour": 6, "minute": 4, "second": 46}
